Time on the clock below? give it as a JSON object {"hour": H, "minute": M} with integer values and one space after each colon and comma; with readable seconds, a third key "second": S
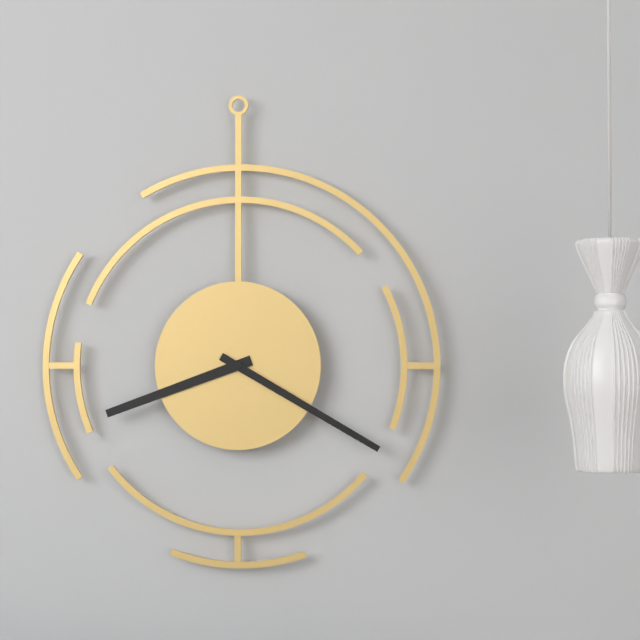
{"hour": 8, "minute": 20}
